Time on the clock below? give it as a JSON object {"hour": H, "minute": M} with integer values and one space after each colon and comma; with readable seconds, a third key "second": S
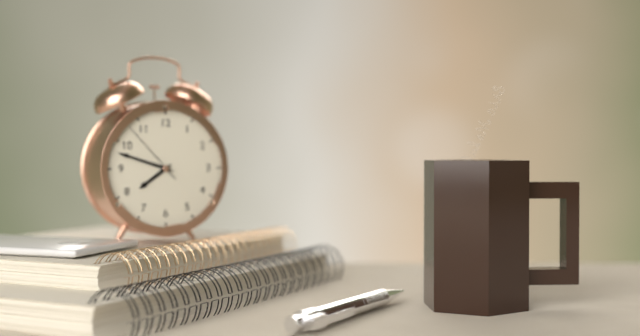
{"hour": 7, "minute": 48, "second": 53}
